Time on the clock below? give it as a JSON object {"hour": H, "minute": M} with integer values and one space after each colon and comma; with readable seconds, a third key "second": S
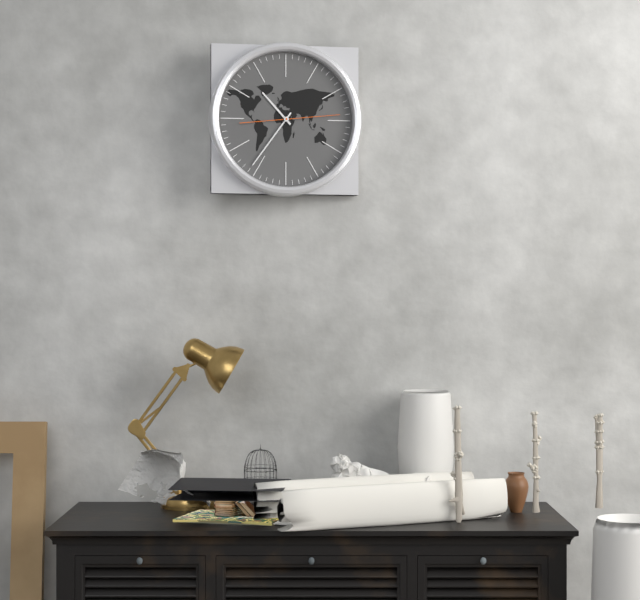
{"hour": 10, "minute": 36, "second": 14}
